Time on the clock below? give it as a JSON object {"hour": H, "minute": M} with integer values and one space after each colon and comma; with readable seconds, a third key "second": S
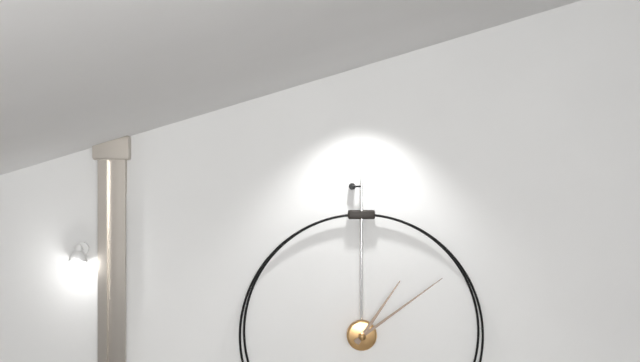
{"hour": 1, "minute": 9}
